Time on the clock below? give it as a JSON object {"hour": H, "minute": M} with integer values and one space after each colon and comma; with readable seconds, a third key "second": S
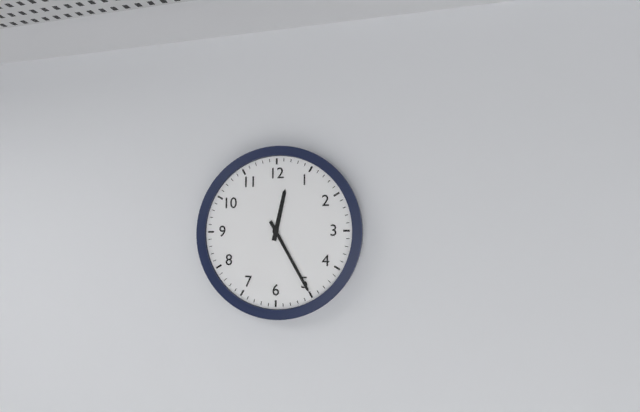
{"hour": 12, "minute": 25}
